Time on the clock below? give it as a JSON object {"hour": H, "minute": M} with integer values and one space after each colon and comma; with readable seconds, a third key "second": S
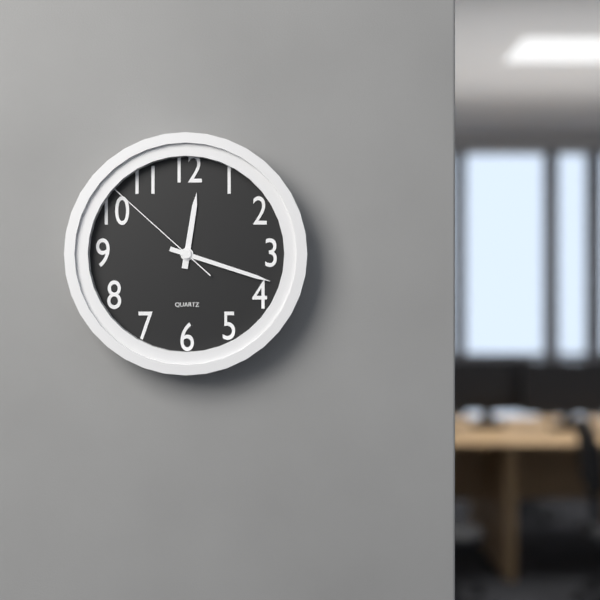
{"hour": 12, "minute": 18, "second": 52}
